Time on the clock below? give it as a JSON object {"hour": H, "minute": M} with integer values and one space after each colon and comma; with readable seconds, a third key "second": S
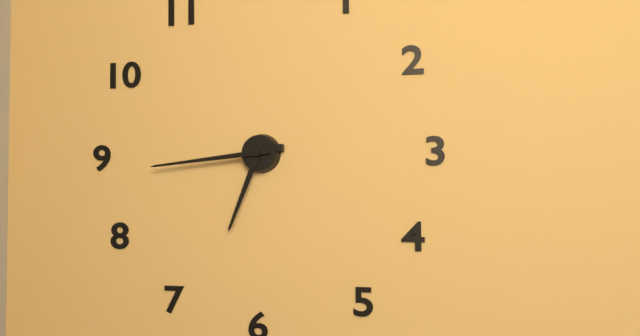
{"hour": 6, "minute": 44}
